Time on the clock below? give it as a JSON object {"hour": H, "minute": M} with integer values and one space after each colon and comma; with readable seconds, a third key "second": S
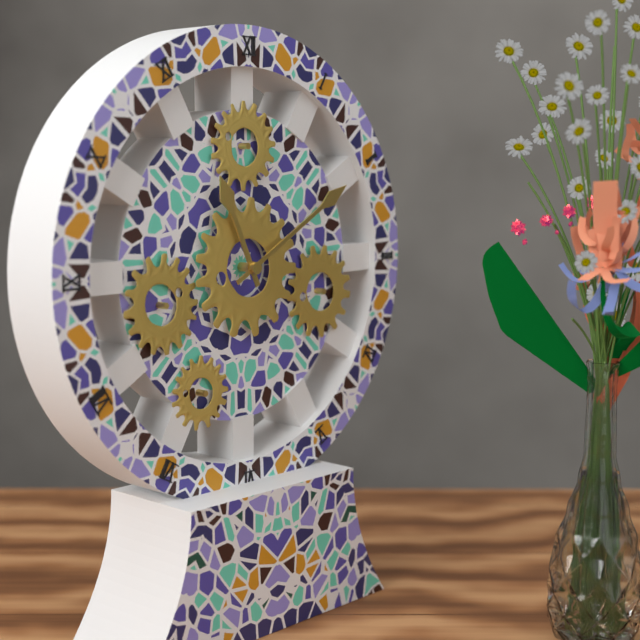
{"hour": 11, "minute": 10}
